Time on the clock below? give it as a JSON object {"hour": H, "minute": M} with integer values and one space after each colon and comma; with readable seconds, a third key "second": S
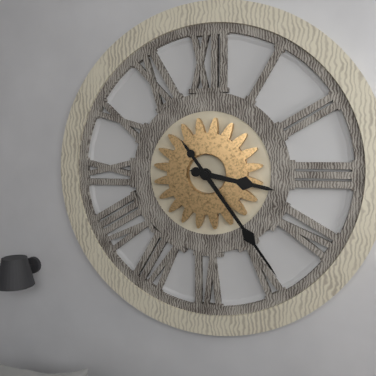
{"hour": 3, "minute": 24}
